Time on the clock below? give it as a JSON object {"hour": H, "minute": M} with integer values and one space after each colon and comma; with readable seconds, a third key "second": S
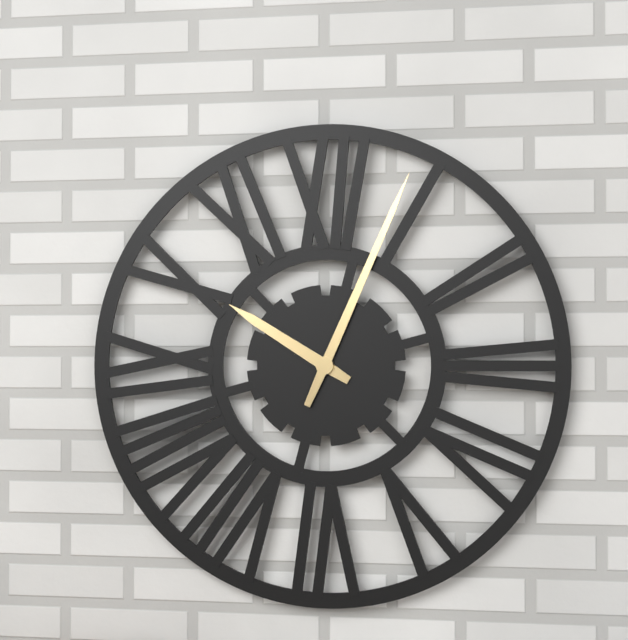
{"hour": 10, "minute": 4}
